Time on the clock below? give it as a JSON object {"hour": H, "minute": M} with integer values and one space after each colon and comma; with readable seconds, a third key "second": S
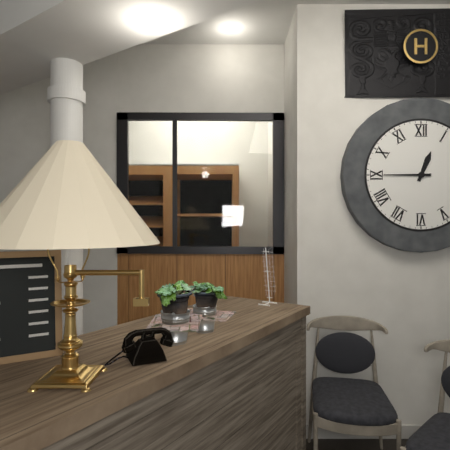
{"hour": 12, "minute": 45}
